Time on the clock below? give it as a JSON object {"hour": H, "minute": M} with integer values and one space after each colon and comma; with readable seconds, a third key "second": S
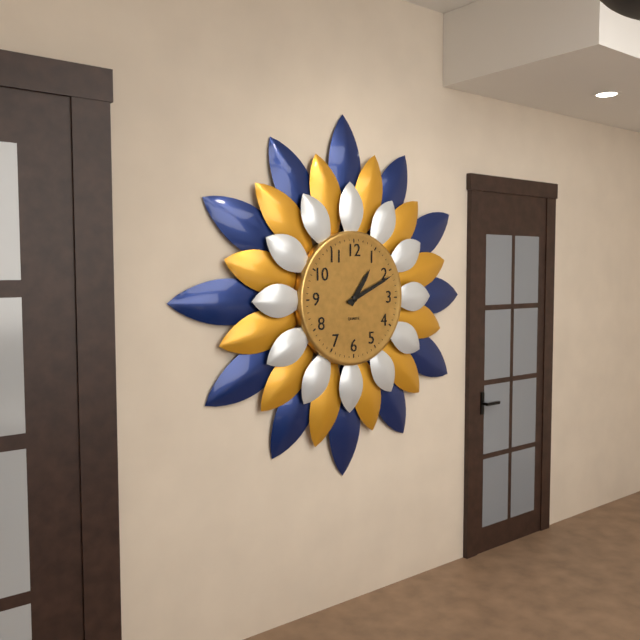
{"hour": 1, "minute": 11}
